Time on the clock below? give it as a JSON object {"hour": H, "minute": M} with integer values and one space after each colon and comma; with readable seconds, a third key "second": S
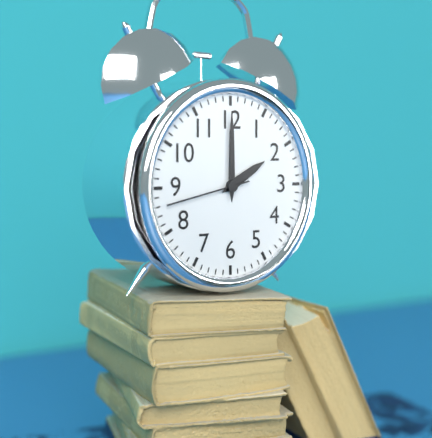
{"hour": 2, "minute": 0, "second": 43}
